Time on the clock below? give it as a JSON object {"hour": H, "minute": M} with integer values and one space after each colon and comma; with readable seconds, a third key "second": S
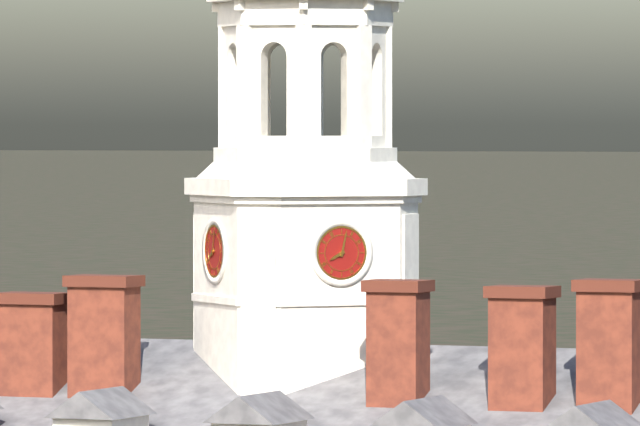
{"hour": 8, "minute": 2}
